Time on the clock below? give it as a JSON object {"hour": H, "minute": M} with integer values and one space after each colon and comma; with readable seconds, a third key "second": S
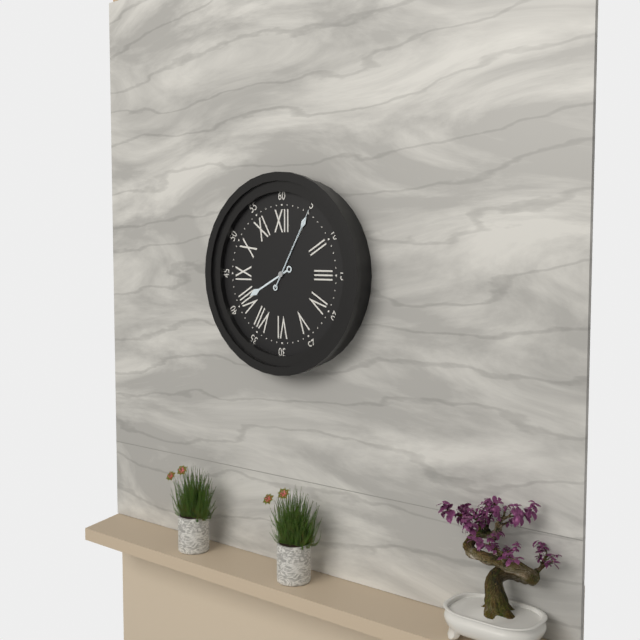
{"hour": 8, "minute": 5, "second": 5}
